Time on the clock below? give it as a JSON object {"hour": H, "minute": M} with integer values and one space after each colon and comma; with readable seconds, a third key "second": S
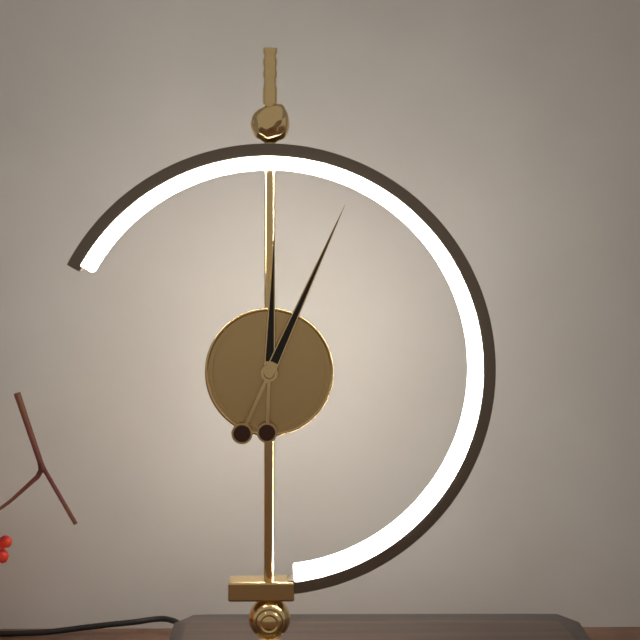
{"hour": 12, "minute": 4}
